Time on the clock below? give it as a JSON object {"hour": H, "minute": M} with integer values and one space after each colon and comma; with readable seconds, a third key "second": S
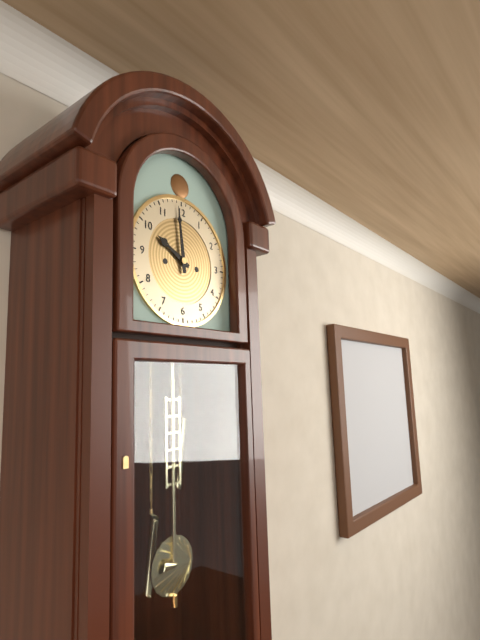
{"hour": 9, "minute": 59}
